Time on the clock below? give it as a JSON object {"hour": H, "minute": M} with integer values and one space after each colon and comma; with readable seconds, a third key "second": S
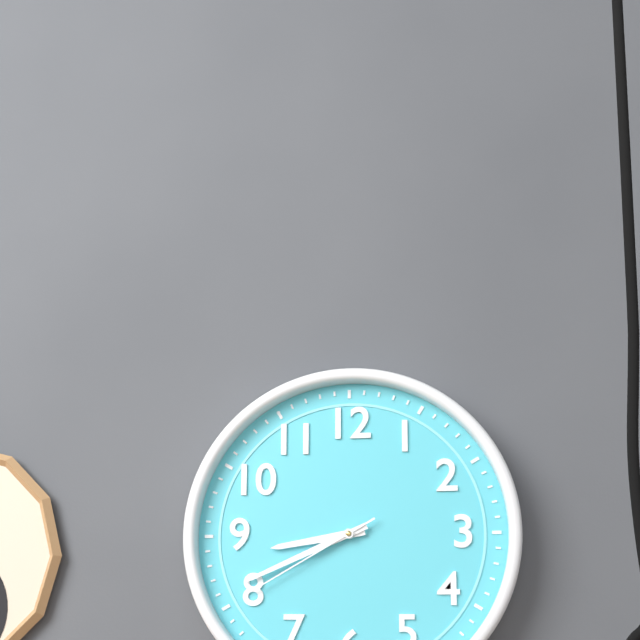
{"hour": 8, "minute": 41, "second": 40}
